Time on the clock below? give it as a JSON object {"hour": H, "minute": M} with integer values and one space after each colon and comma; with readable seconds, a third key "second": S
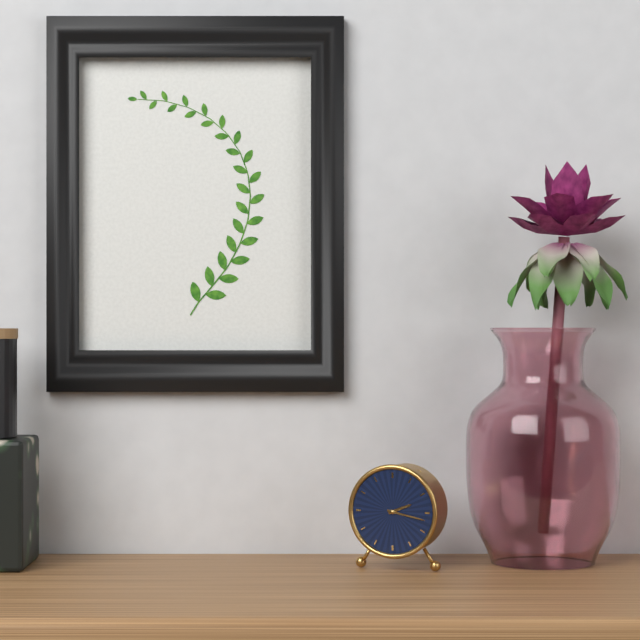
{"hour": 2, "minute": 17}
